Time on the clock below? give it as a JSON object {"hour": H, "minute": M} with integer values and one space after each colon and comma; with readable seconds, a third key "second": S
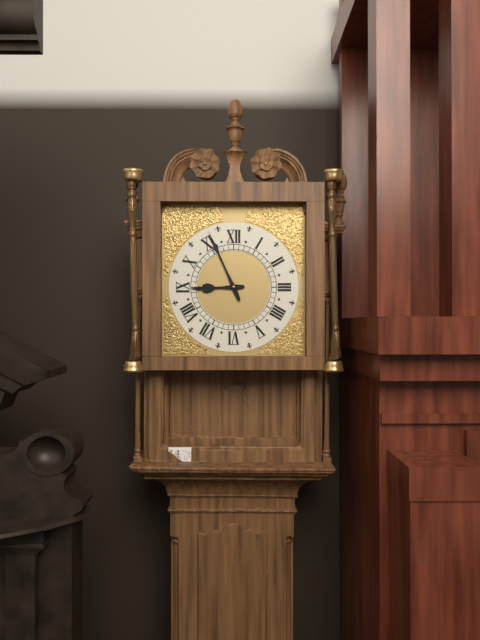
{"hour": 8, "minute": 56}
